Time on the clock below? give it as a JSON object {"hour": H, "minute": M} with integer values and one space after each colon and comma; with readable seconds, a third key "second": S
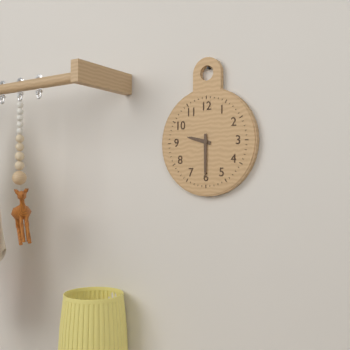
{"hour": 9, "minute": 30}
